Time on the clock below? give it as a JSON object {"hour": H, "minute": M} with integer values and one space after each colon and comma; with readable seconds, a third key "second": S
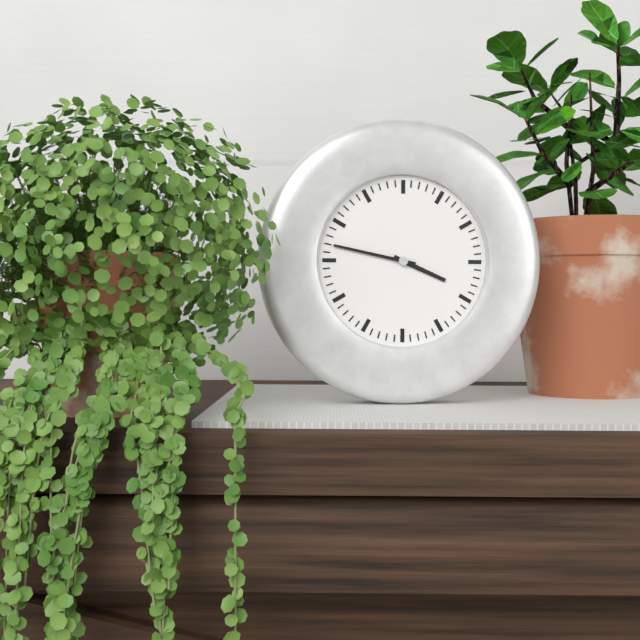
{"hour": 3, "minute": 47}
